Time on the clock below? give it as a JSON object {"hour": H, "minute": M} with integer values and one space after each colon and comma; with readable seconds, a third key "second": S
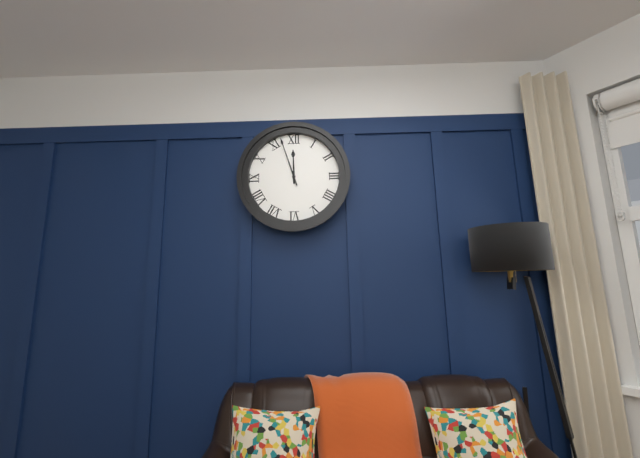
{"hour": 11, "minute": 57}
